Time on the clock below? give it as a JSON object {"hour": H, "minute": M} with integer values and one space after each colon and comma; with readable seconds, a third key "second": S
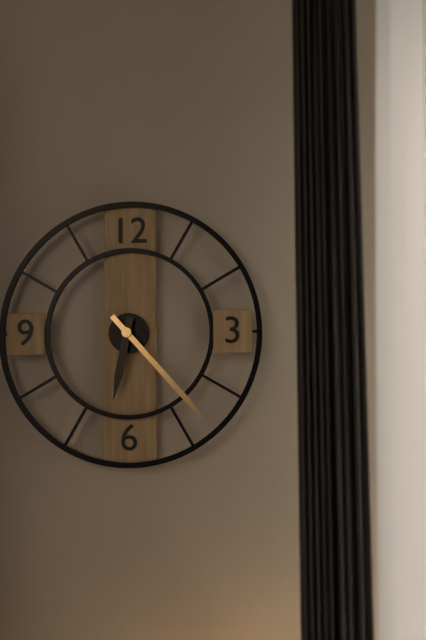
{"hour": 6, "minute": 23}
